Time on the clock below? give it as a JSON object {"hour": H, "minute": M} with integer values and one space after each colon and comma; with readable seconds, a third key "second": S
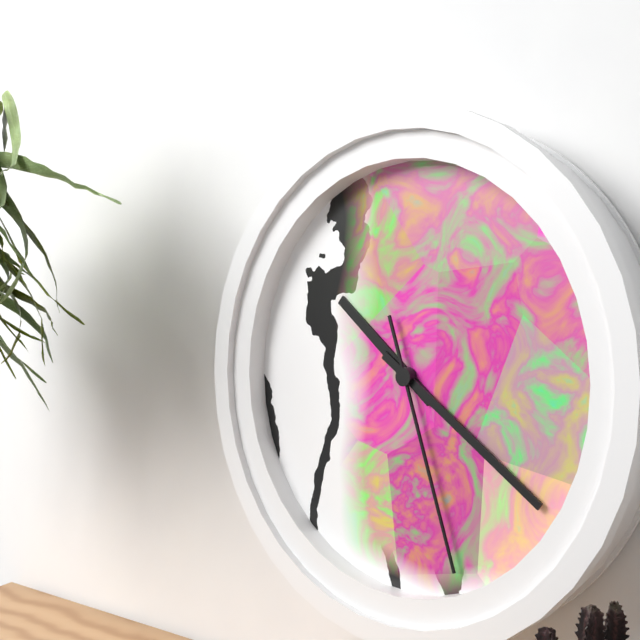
{"hour": 10, "minute": 21, "second": 27}
